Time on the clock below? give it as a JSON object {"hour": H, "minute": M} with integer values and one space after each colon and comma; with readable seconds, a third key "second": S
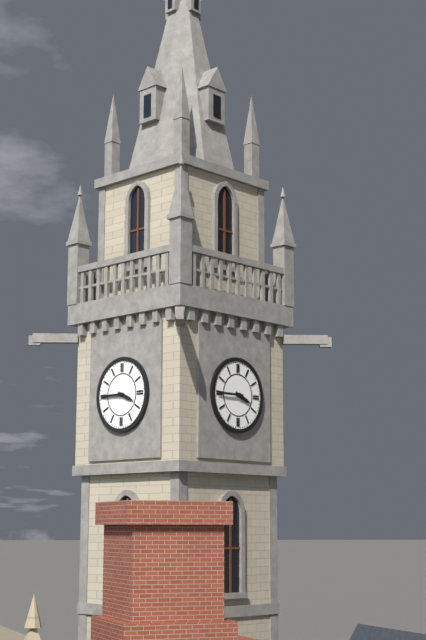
{"hour": 3, "minute": 45}
